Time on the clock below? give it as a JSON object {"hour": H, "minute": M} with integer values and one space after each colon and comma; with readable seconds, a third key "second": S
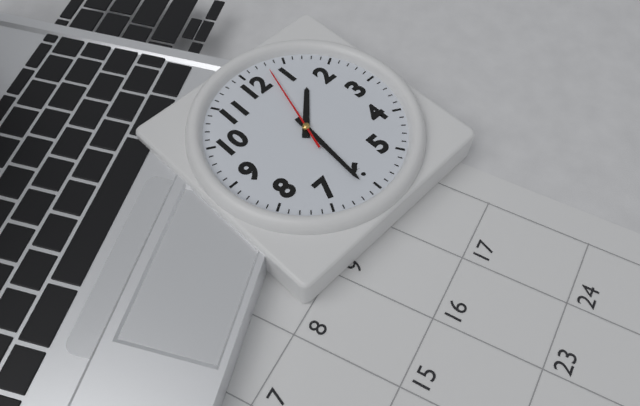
{"hour": 1, "minute": 31, "second": 3}
